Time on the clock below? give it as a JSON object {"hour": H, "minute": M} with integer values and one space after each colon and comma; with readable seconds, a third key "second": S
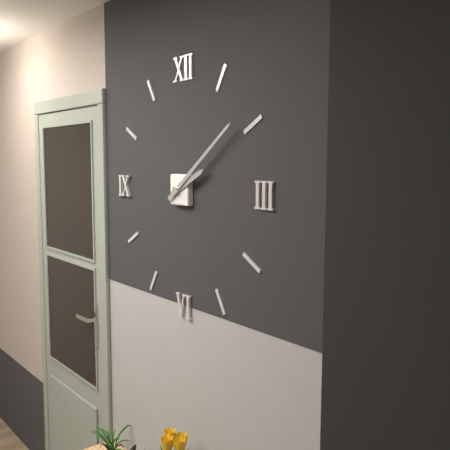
{"hour": 2, "minute": 9}
